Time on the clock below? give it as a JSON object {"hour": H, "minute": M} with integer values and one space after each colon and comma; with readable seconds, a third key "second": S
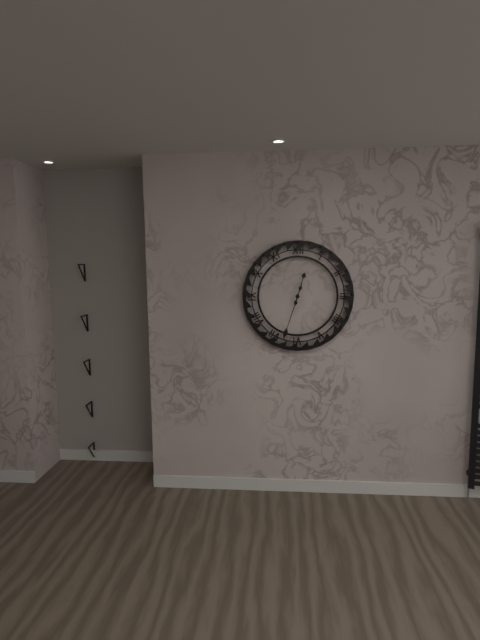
{"hour": 12, "minute": 33}
